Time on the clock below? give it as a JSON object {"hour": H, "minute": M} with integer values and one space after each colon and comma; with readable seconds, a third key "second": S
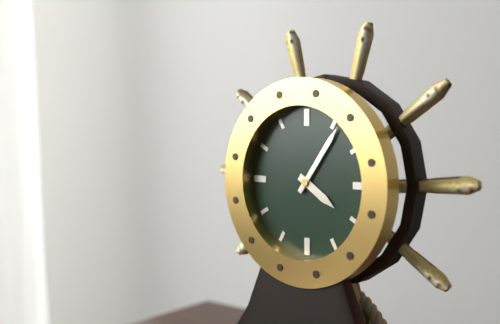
{"hour": 4, "minute": 6}
